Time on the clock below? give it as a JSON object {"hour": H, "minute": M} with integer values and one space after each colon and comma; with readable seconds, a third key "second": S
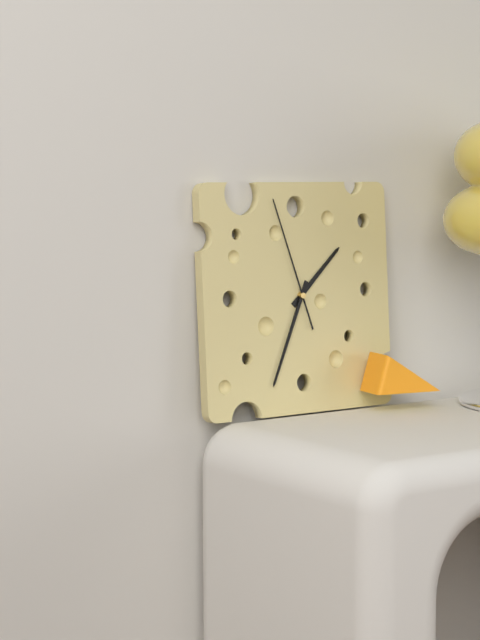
{"hour": 1, "minute": 34, "second": 57}
